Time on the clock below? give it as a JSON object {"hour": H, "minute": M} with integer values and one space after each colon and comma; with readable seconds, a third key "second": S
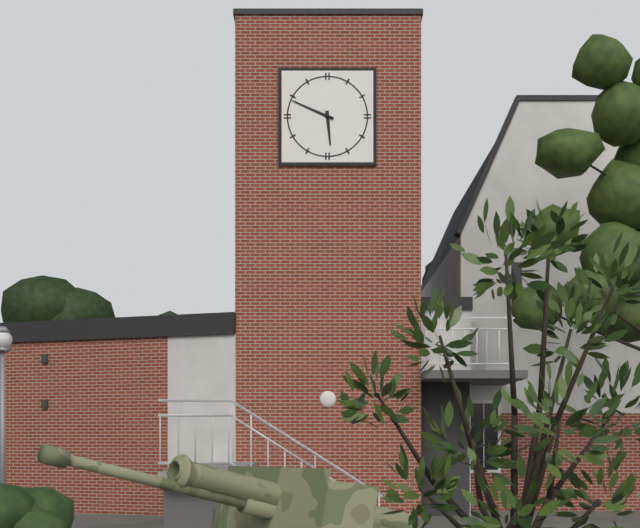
{"hour": 5, "minute": 49}
